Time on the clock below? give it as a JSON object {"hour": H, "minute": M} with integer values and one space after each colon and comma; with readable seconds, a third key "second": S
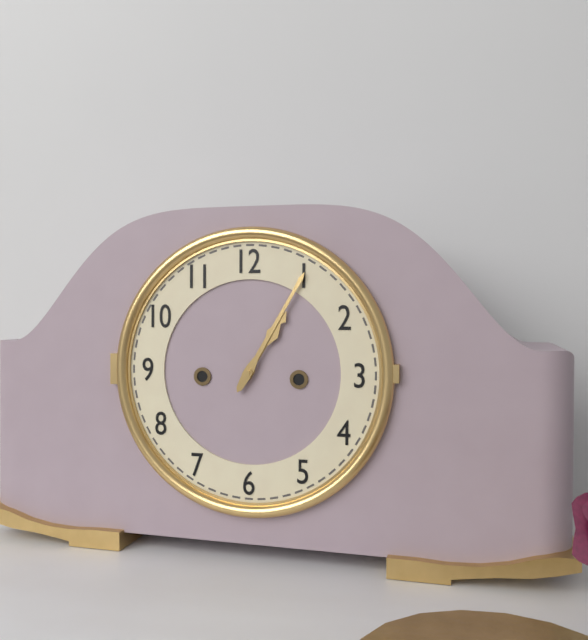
{"hour": 1, "minute": 5}
